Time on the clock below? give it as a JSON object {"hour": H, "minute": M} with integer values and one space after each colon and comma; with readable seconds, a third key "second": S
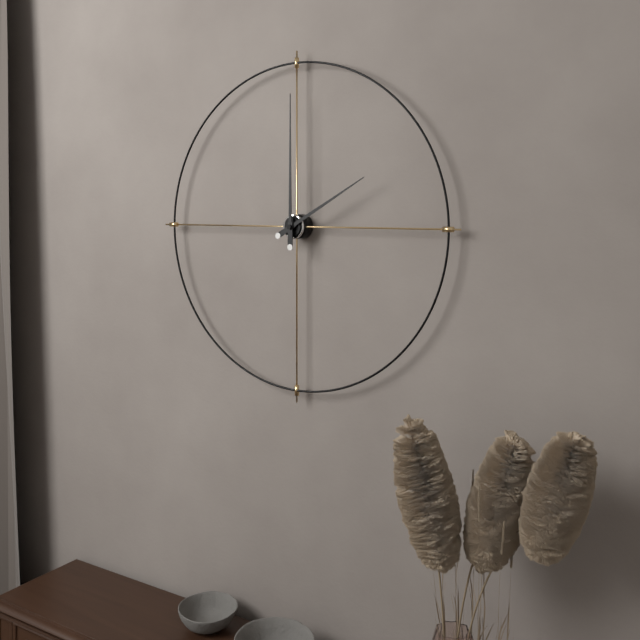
{"hour": 2, "minute": 0}
